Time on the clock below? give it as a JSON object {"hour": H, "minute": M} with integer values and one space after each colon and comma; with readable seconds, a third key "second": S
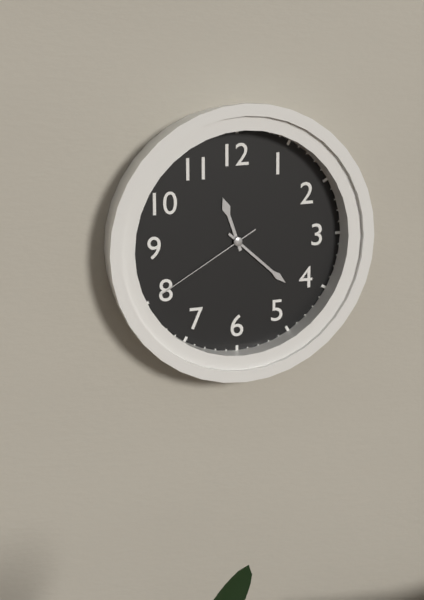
{"hour": 11, "minute": 22, "second": 40}
